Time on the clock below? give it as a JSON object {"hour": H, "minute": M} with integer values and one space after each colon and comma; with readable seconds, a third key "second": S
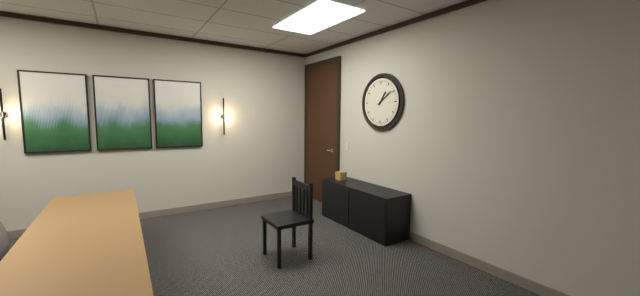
{"hour": 1, "minute": 9}
